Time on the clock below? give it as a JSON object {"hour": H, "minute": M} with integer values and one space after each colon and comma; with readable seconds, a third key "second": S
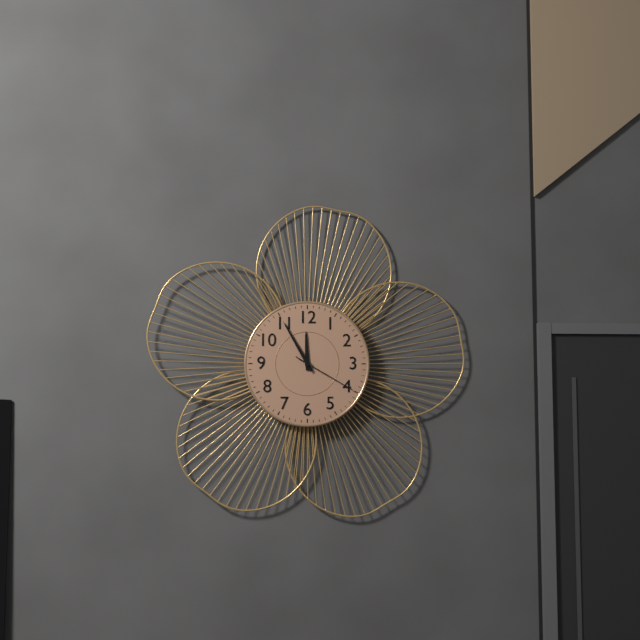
{"hour": 11, "minute": 55, "second": 20}
